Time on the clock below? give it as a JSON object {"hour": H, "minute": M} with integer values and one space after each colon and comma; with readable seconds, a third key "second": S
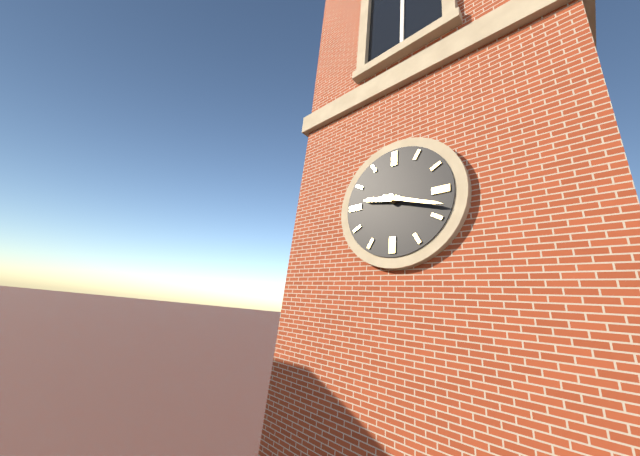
{"hour": 9, "minute": 18}
